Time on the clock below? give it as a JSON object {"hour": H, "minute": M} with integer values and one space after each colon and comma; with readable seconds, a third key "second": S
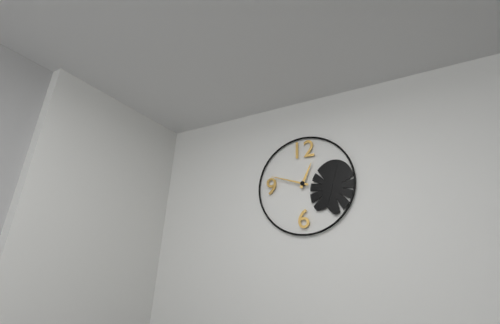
{"hour": 12, "minute": 48}
